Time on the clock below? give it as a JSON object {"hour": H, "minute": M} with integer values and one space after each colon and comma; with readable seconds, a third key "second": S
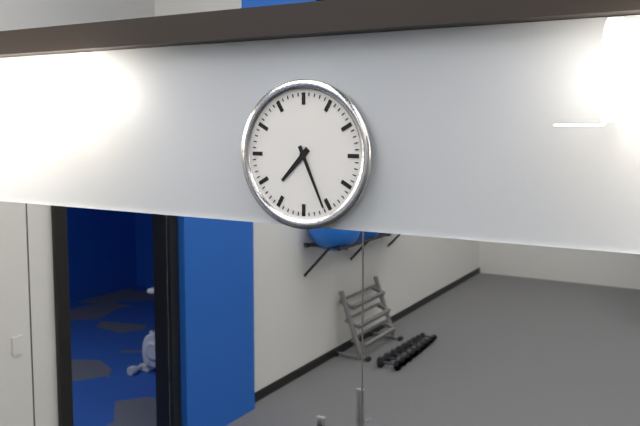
{"hour": 7, "minute": 26}
